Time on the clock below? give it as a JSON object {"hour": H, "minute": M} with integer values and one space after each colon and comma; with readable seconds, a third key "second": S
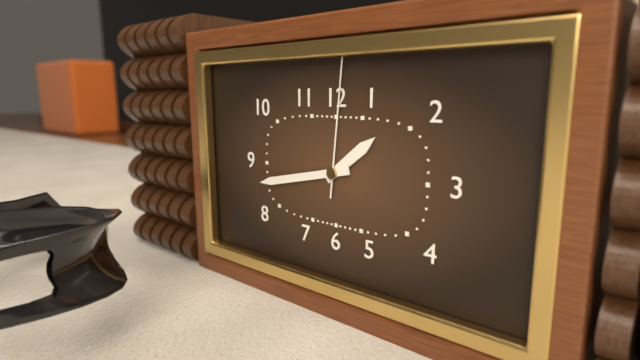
{"hour": 1, "minute": 43, "second": 1}
